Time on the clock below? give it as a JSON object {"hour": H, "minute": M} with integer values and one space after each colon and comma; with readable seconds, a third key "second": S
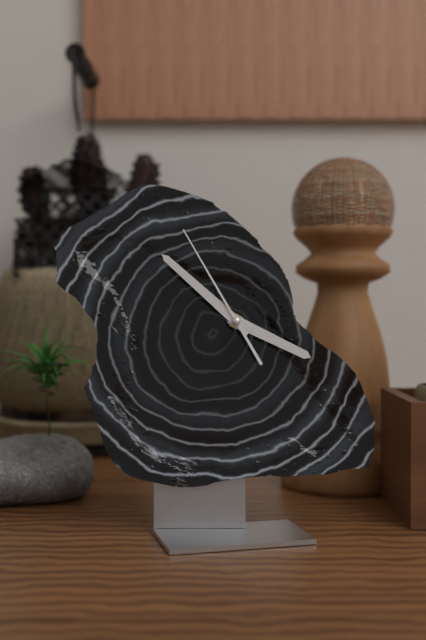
{"hour": 3, "minute": 52, "second": 55}
